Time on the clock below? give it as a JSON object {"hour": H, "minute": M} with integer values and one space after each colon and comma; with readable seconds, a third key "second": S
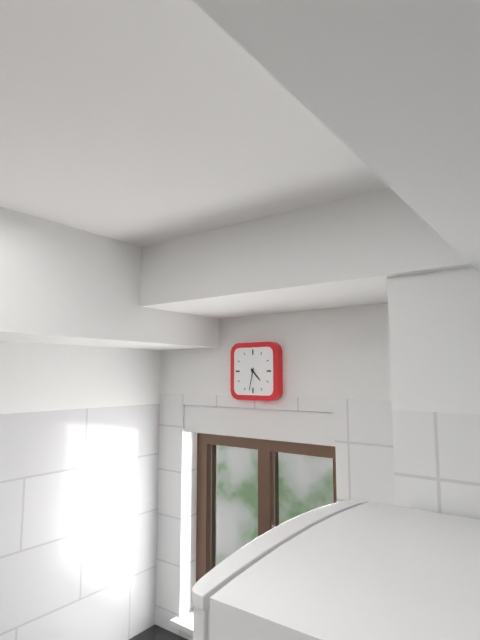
{"hour": 4, "minute": 32}
